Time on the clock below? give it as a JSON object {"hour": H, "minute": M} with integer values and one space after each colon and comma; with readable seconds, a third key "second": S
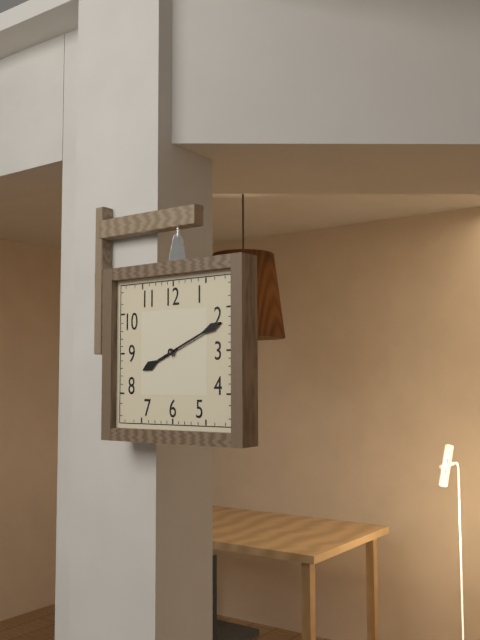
{"hour": 8, "minute": 11}
